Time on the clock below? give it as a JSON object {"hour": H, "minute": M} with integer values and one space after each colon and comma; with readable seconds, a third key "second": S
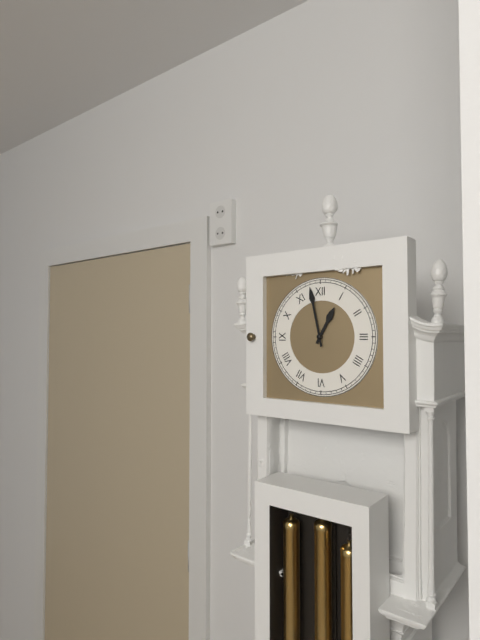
{"hour": 12, "minute": 58}
